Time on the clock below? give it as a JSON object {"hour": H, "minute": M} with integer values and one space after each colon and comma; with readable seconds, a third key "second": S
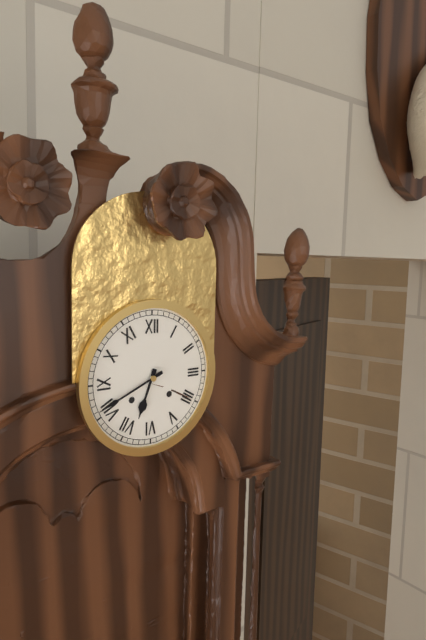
{"hour": 6, "minute": 41}
